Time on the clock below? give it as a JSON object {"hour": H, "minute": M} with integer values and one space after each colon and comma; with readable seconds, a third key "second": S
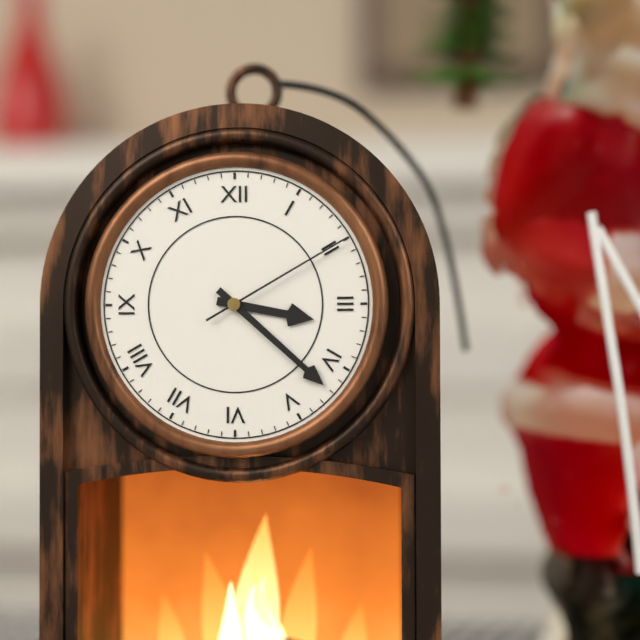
{"hour": 3, "minute": 22, "second": 10}
